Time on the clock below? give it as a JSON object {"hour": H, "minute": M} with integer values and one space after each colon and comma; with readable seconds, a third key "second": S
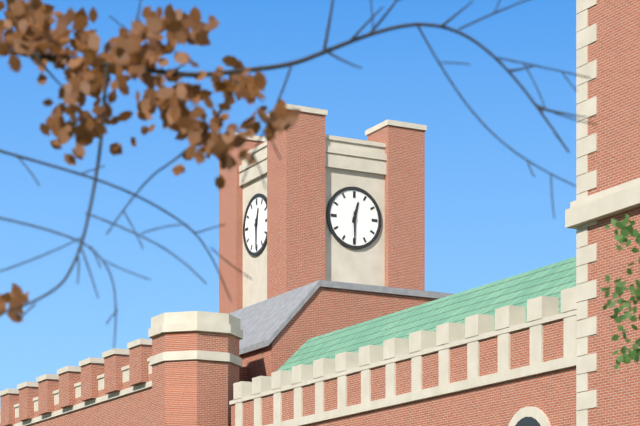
{"hour": 12, "minute": 30}
